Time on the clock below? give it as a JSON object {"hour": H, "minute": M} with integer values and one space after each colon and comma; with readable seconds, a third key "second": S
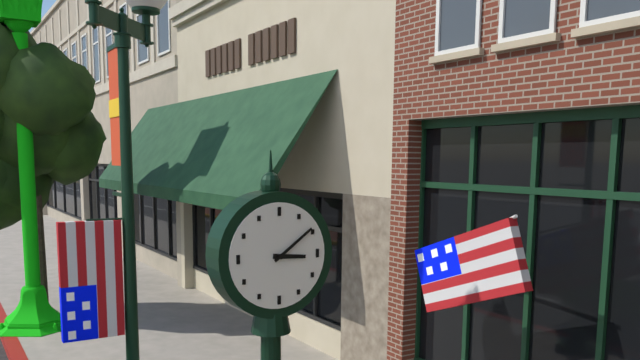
{"hour": 3, "minute": 9}
